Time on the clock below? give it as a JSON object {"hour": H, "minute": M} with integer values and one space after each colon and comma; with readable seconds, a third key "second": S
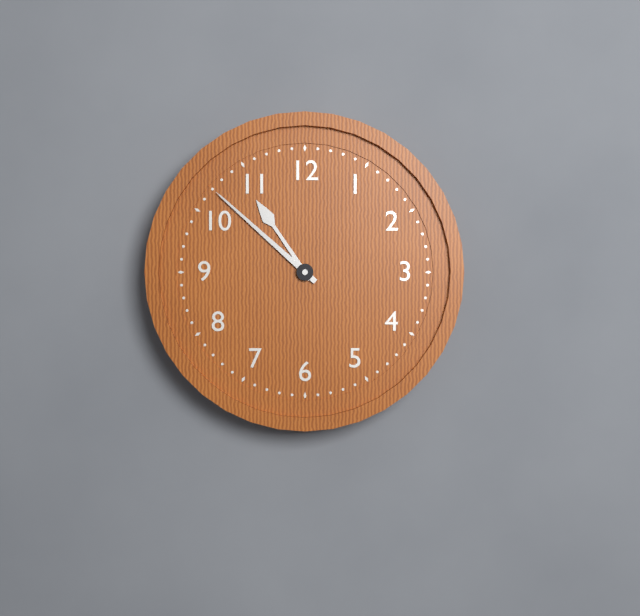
{"hour": 10, "minute": 52}
